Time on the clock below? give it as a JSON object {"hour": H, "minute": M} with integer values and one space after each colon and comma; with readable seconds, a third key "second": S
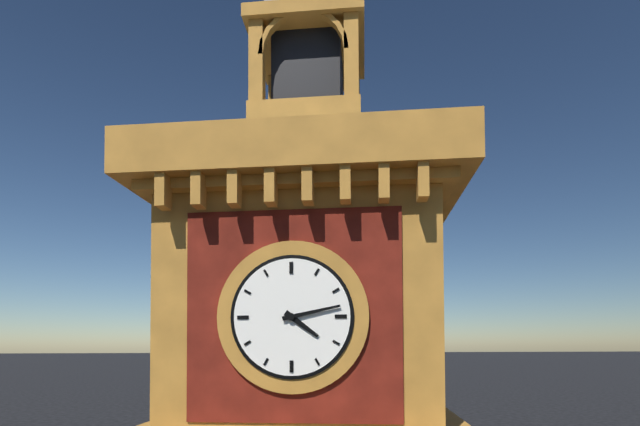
{"hour": 4, "minute": 13}
